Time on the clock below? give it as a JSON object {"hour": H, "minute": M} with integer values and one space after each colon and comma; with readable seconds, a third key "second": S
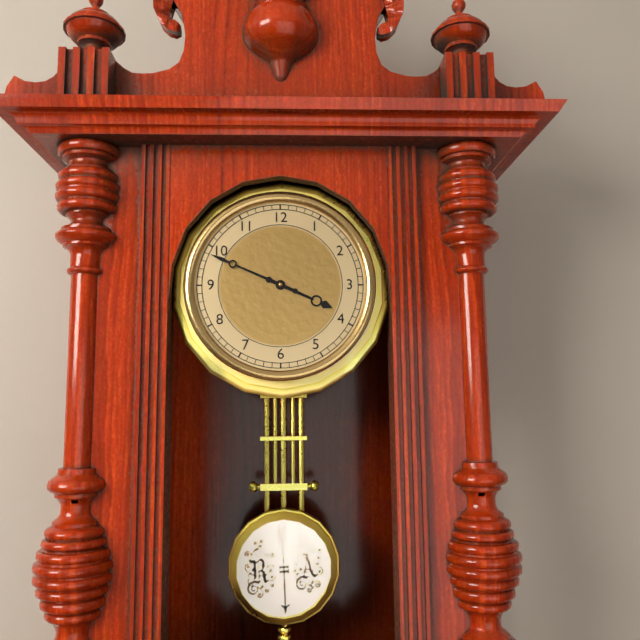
{"hour": 3, "minute": 49}
